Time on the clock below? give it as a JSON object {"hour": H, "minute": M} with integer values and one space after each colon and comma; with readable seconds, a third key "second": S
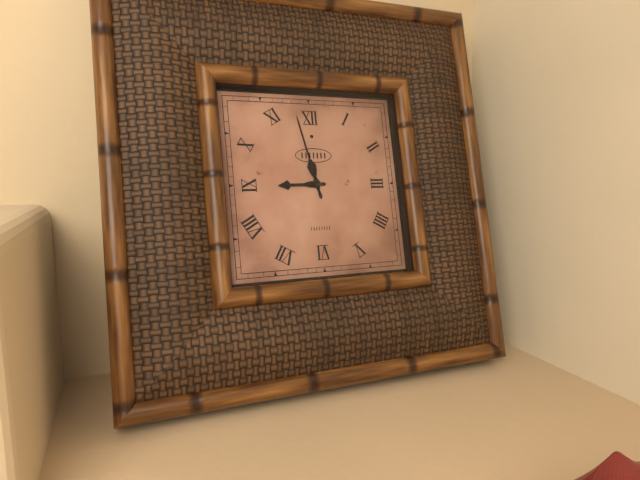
{"hour": 8, "minute": 58}
